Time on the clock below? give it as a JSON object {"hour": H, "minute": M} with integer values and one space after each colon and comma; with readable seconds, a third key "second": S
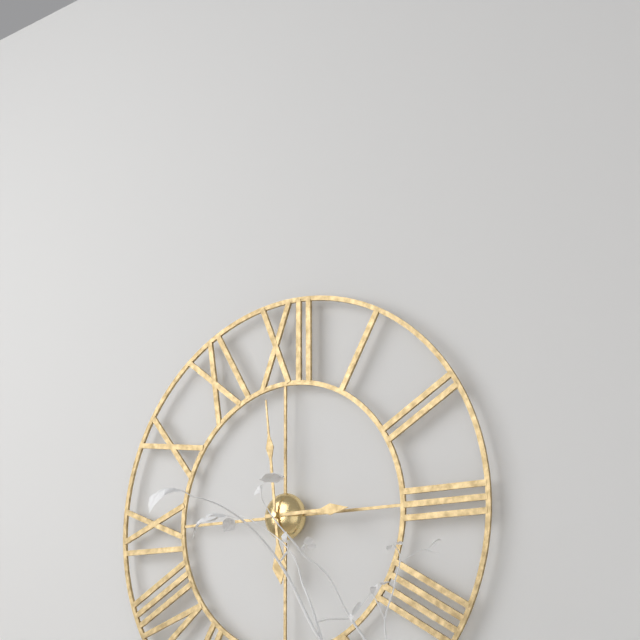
{"hour": 2, "minute": 59}
